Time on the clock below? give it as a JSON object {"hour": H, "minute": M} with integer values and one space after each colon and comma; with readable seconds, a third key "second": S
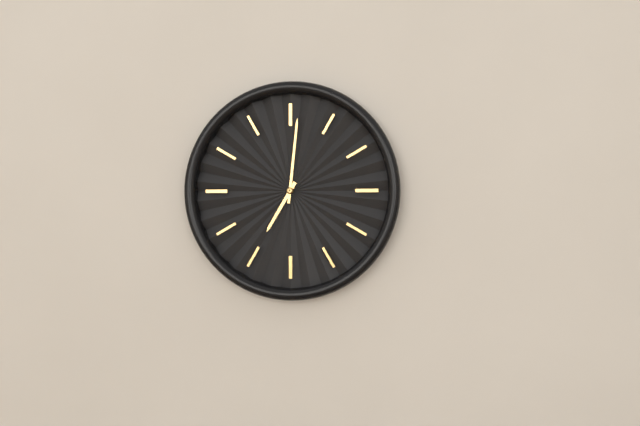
{"hour": 7, "minute": 1}
